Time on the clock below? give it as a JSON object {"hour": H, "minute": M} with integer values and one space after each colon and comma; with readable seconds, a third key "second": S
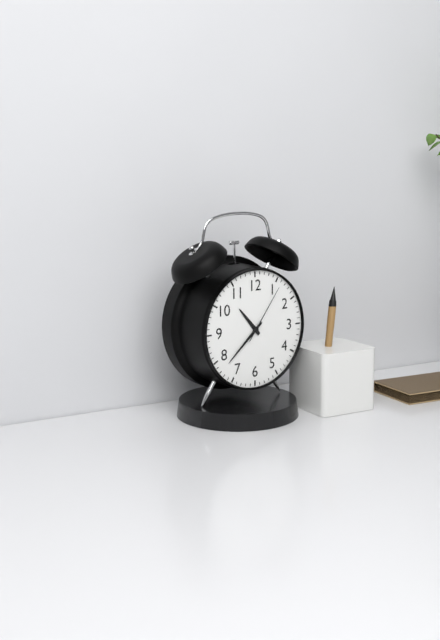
{"hour": 10, "minute": 38, "second": 6}
